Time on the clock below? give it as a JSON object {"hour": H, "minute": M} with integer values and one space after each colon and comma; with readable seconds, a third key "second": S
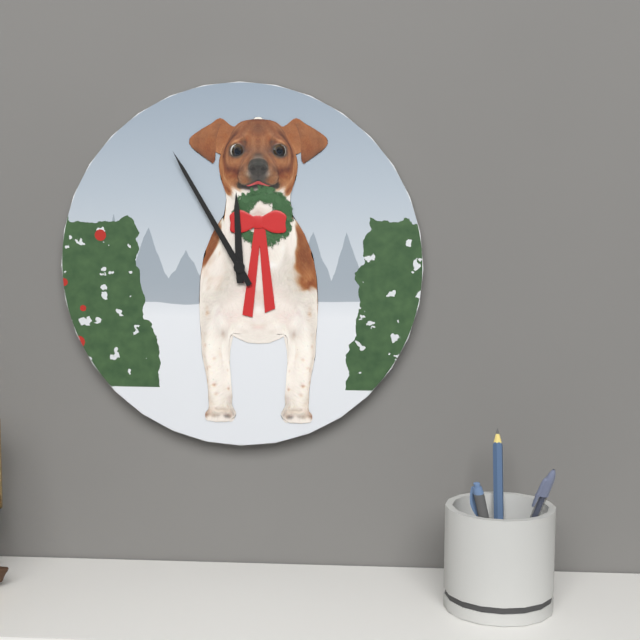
{"hour": 11, "minute": 55}
